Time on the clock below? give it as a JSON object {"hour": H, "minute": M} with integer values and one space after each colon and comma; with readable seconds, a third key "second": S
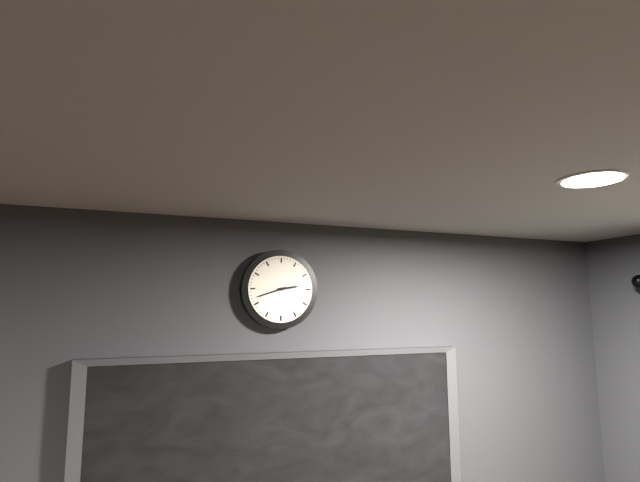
{"hour": 2, "minute": 42}
